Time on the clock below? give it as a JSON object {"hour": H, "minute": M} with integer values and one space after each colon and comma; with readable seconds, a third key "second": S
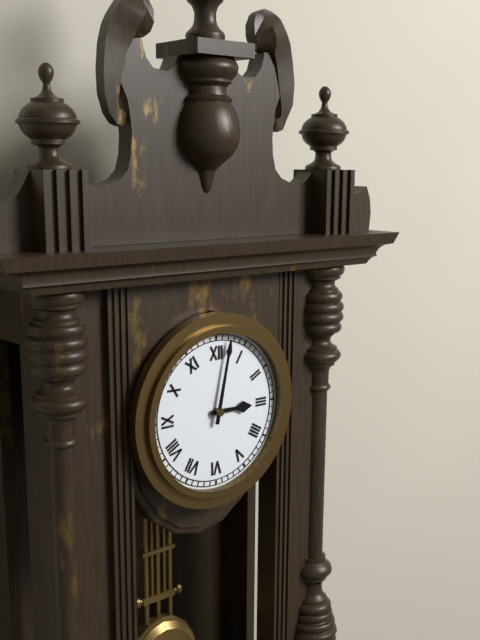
{"hour": 3, "minute": 2}
